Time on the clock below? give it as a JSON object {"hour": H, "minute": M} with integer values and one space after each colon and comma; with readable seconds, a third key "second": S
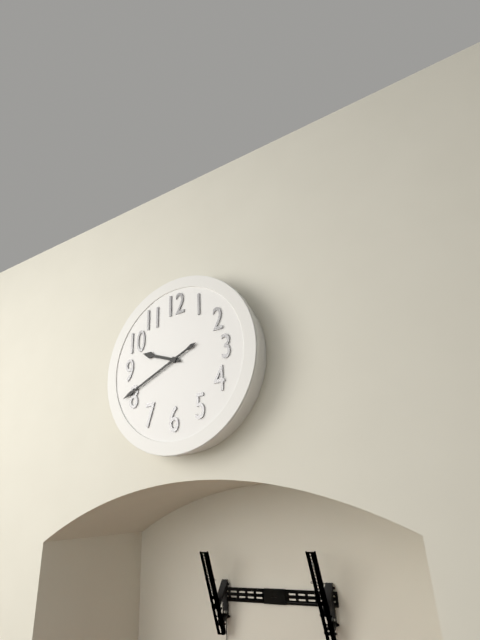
{"hour": 9, "minute": 41}
